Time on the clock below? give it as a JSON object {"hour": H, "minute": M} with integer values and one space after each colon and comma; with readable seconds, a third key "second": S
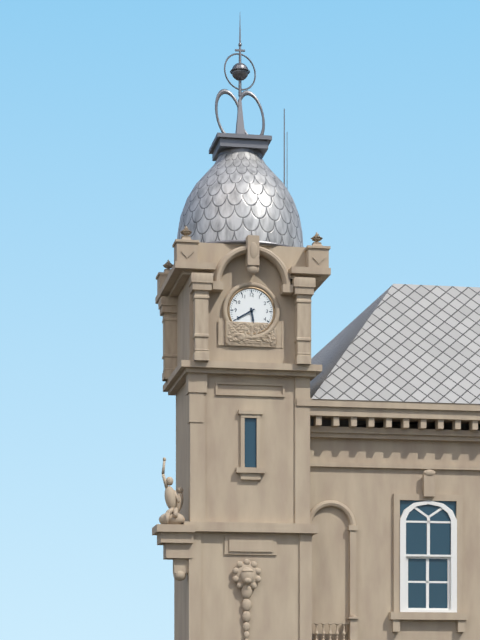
{"hour": 5, "minute": 40}
